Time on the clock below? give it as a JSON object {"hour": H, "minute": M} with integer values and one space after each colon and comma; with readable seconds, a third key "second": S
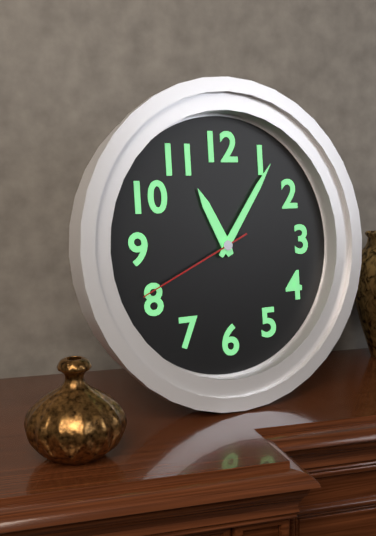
{"hour": 11, "minute": 6, "second": 41}
